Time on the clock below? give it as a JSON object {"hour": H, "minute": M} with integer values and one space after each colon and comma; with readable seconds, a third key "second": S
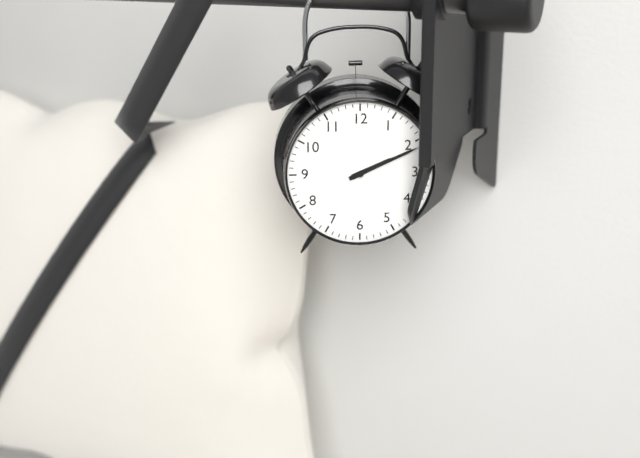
{"hour": 2, "minute": 11}
